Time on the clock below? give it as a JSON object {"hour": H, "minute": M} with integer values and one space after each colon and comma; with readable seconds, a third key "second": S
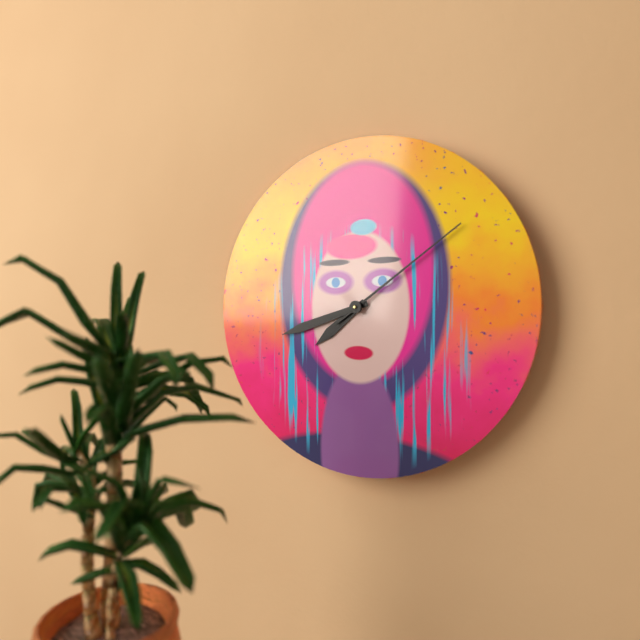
{"hour": 7, "minute": 42, "second": 9}
